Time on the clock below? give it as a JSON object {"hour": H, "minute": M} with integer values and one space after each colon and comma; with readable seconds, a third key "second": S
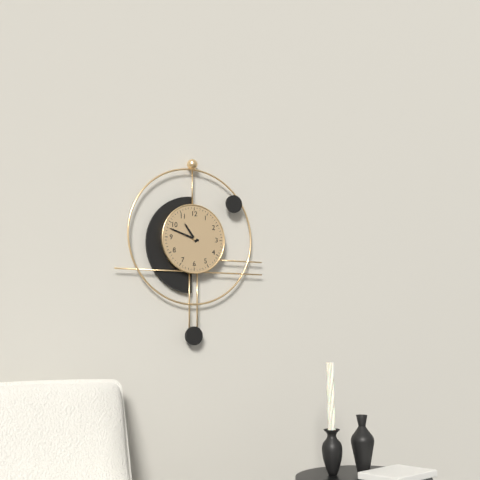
{"hour": 10, "minute": 48}
